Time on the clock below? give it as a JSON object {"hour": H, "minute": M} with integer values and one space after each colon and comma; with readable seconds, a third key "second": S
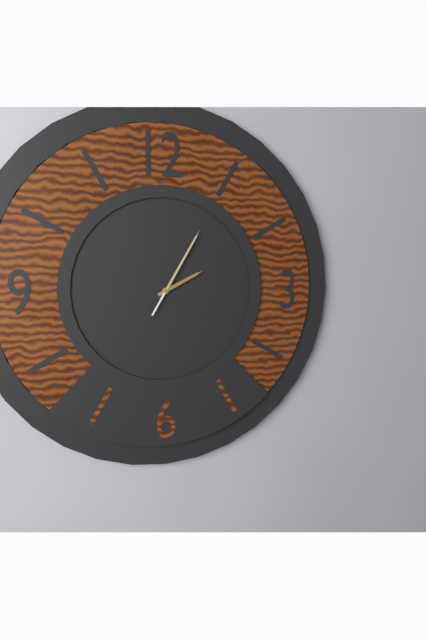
{"hour": 2, "minute": 5, "second": 5}
